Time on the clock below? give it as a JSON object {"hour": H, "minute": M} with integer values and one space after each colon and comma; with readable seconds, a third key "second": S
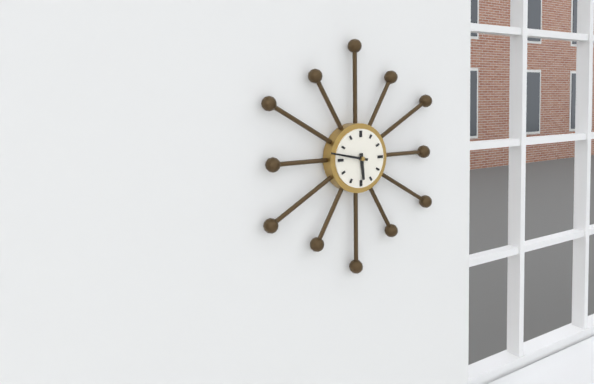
{"hour": 5, "minute": 47}
